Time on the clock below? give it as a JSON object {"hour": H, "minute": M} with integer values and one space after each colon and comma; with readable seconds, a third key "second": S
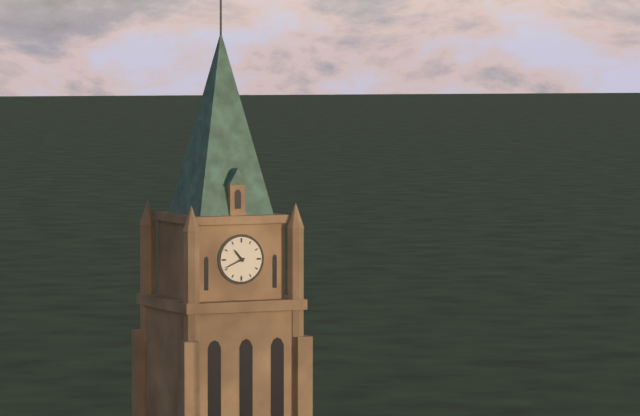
{"hour": 10, "minute": 41}
